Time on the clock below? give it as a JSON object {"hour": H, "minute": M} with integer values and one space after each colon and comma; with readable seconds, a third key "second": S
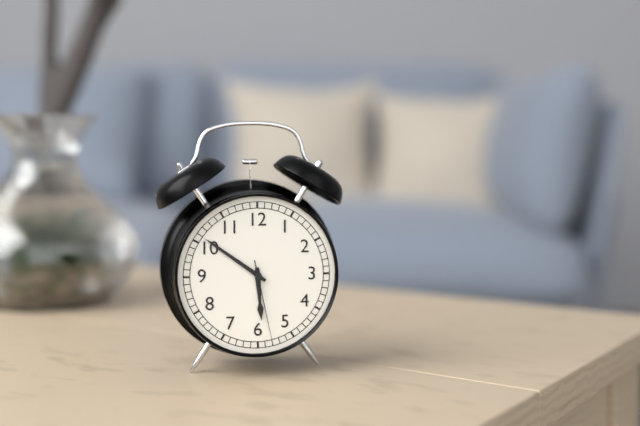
{"hour": 5, "minute": 51, "second": 28}
